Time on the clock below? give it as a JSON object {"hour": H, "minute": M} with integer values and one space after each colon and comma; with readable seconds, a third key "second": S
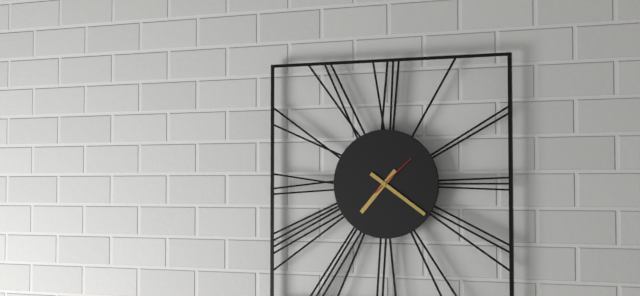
{"hour": 7, "minute": 21}
